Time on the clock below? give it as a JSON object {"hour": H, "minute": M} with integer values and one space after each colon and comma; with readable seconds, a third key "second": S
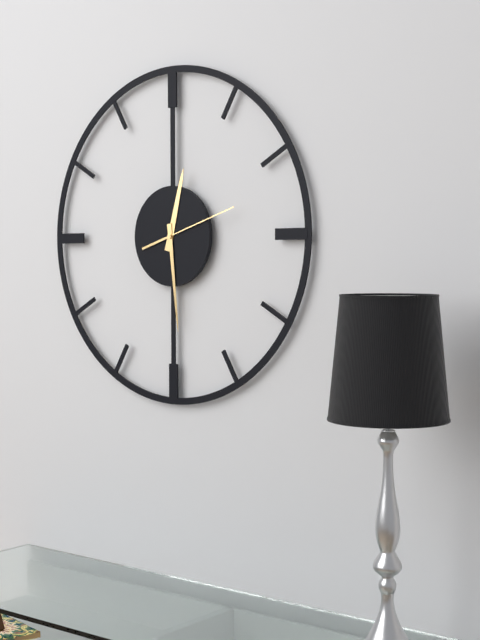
{"hour": 12, "minute": 29, "second": 12}
